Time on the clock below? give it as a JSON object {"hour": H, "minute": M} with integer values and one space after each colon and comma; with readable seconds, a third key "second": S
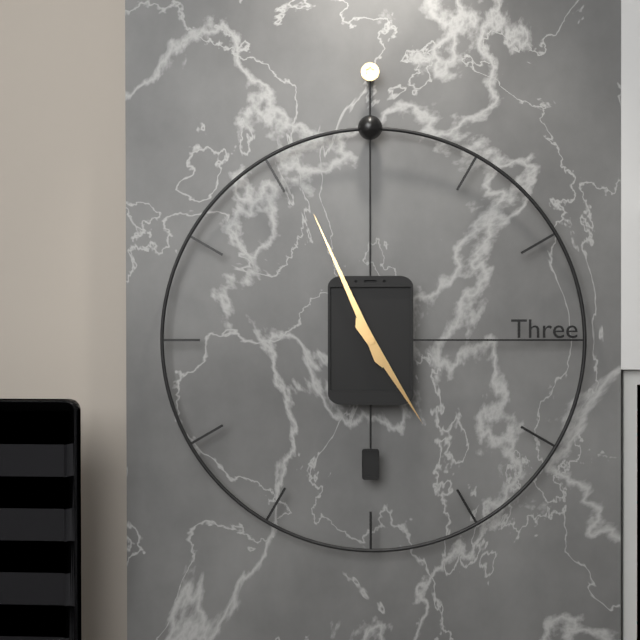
{"hour": 4, "minute": 56}
